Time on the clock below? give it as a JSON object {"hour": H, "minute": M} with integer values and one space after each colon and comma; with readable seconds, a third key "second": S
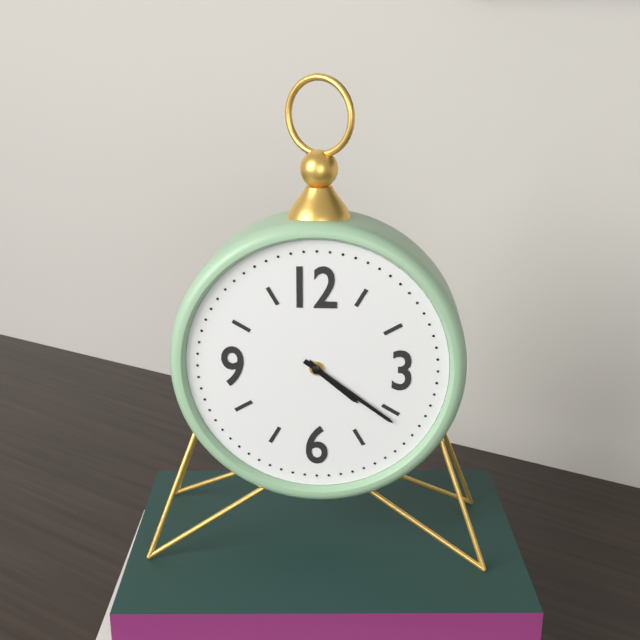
{"hour": 4, "minute": 21}
